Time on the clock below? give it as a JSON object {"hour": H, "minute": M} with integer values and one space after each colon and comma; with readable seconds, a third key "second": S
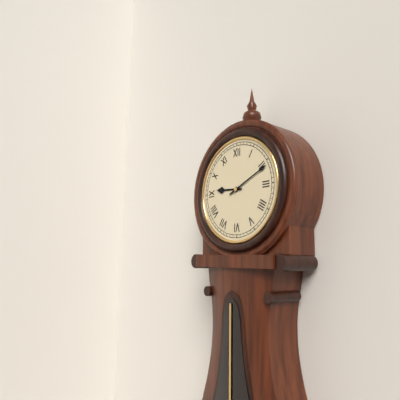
{"hour": 9, "minute": 11}
